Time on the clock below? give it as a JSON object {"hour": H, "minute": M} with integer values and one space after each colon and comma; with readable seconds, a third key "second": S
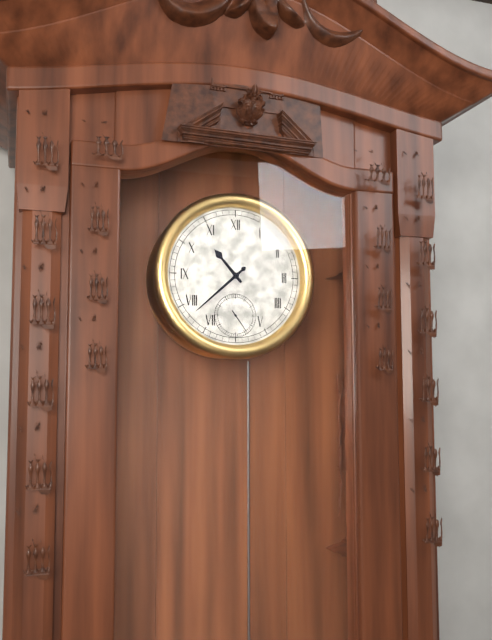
{"hour": 10, "minute": 38}
